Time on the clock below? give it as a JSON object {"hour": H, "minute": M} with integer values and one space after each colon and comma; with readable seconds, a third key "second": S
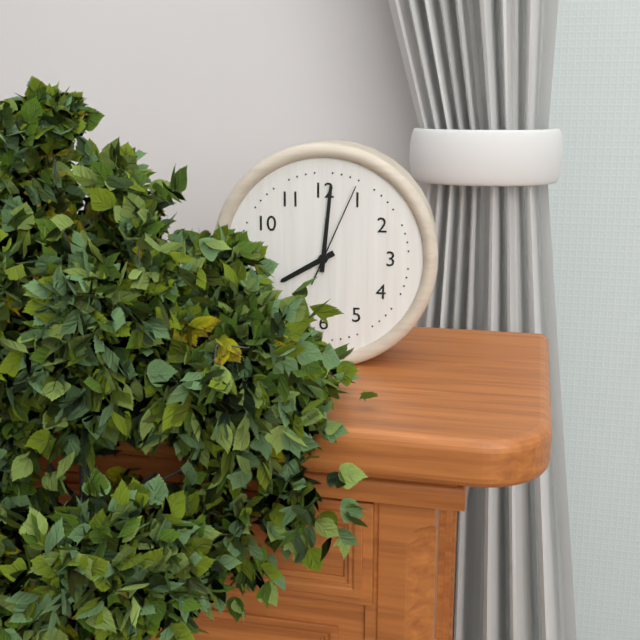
{"hour": 8, "minute": 1, "second": 4}
